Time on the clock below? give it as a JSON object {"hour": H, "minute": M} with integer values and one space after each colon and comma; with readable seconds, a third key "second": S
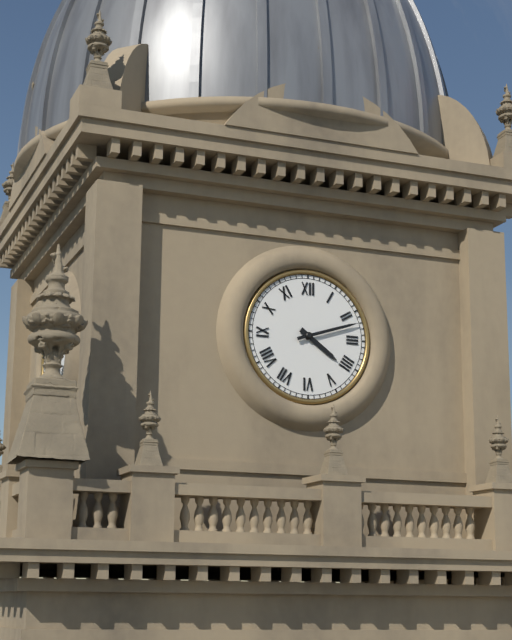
{"hour": 4, "minute": 12}
